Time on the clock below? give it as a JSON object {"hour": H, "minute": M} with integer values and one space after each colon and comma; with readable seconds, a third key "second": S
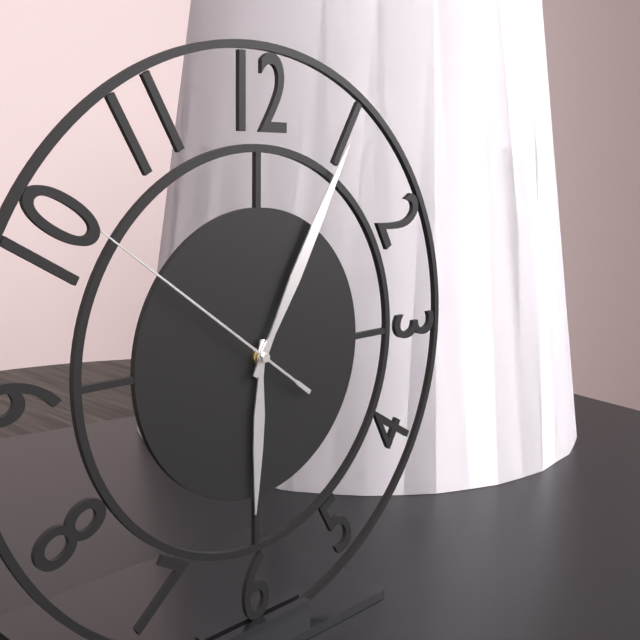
{"hour": 6, "minute": 5, "second": 51}
